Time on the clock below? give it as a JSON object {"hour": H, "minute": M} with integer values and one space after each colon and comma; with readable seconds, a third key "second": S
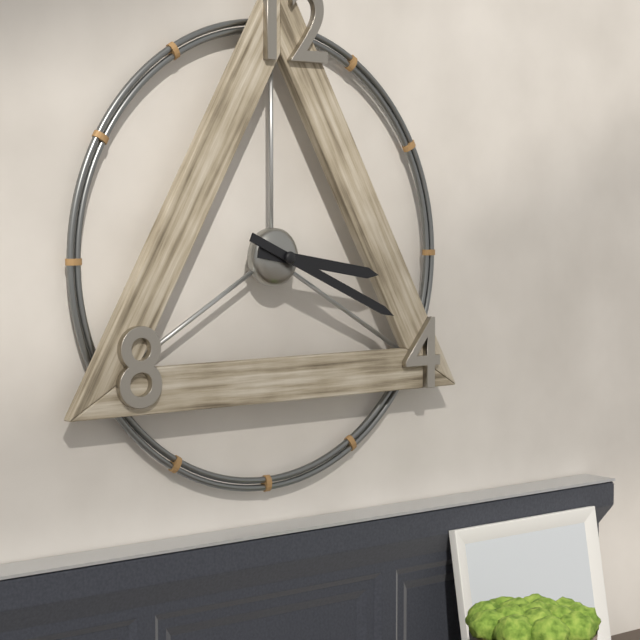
{"hour": 3, "minute": 19}
